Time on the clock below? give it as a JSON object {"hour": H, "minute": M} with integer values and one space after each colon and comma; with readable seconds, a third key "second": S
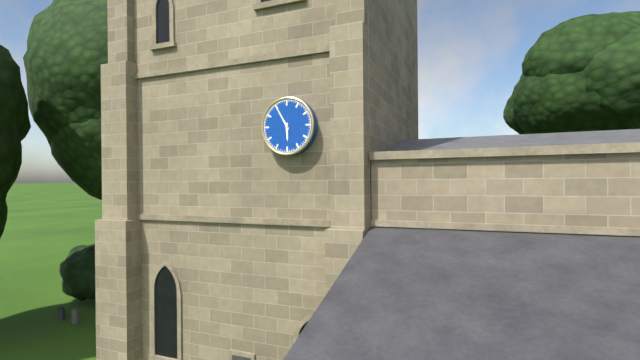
{"hour": 5, "minute": 55}
